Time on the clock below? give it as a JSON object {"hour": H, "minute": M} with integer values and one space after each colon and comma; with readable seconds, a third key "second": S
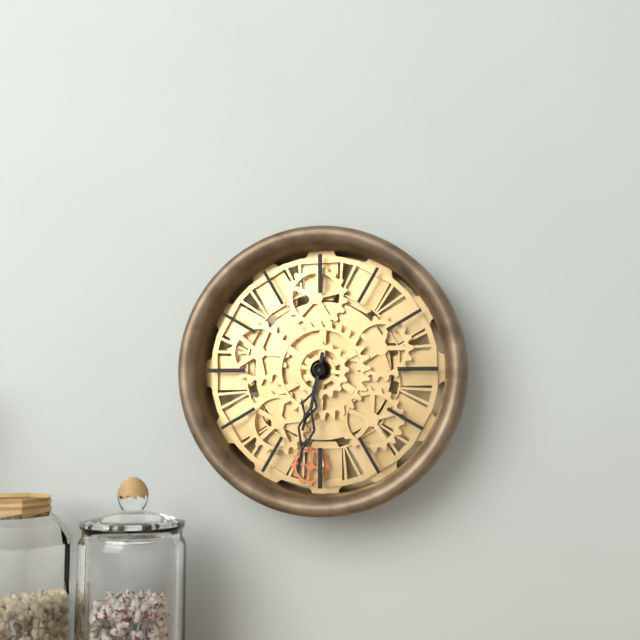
{"hour": 6, "minute": 32}
